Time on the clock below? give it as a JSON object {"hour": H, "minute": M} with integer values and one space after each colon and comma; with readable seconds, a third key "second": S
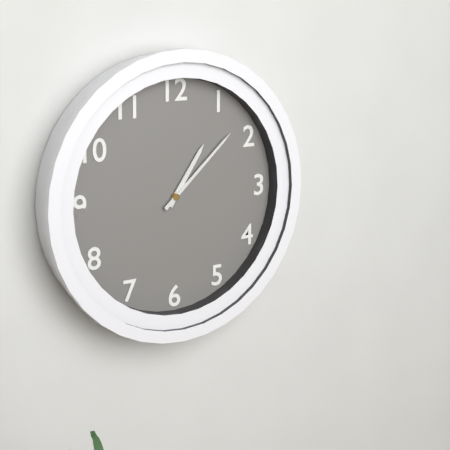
{"hour": 1, "minute": 8}
